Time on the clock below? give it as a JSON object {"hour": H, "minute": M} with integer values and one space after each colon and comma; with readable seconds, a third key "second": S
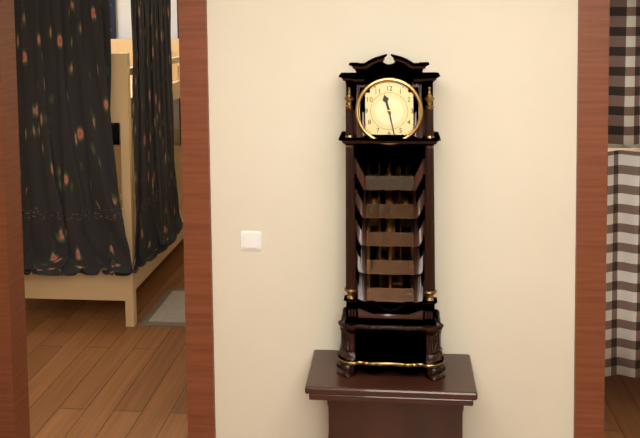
{"hour": 11, "minute": 28}
